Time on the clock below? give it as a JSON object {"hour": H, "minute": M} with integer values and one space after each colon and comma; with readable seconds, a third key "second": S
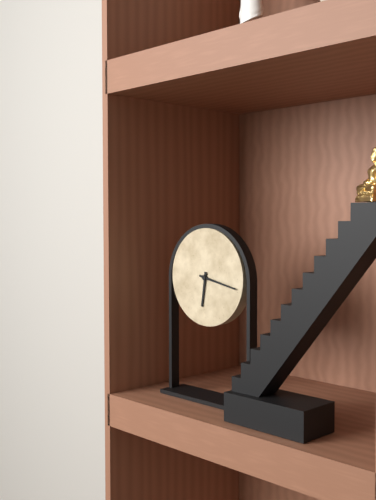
{"hour": 6, "minute": 17}
